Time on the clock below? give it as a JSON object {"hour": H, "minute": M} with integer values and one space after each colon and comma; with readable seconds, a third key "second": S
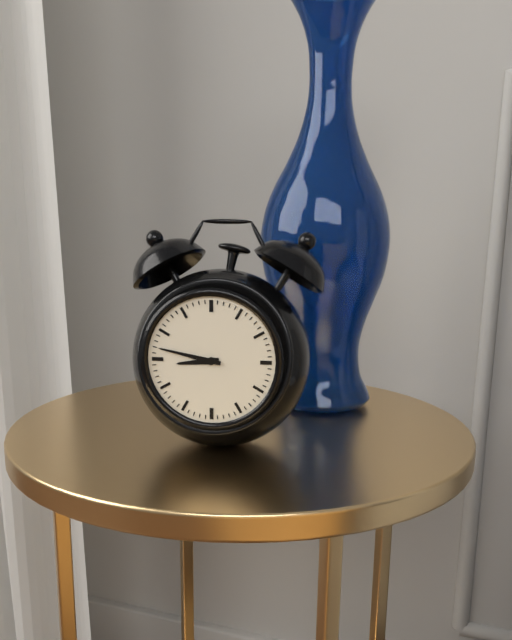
{"hour": 8, "minute": 47}
